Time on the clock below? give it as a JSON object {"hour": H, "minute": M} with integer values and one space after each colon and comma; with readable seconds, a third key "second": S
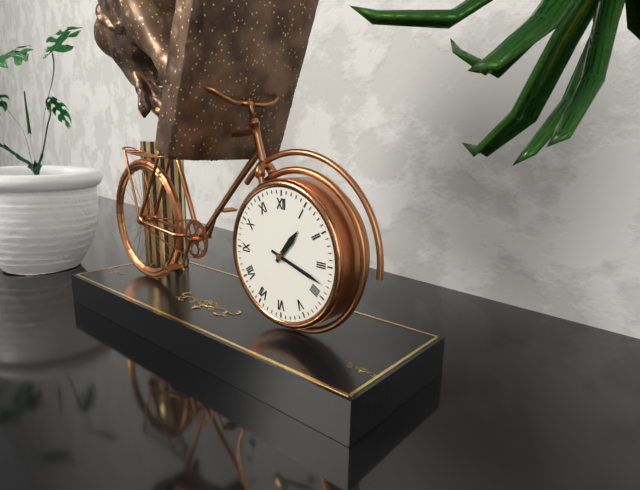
{"hour": 1, "minute": 18}
